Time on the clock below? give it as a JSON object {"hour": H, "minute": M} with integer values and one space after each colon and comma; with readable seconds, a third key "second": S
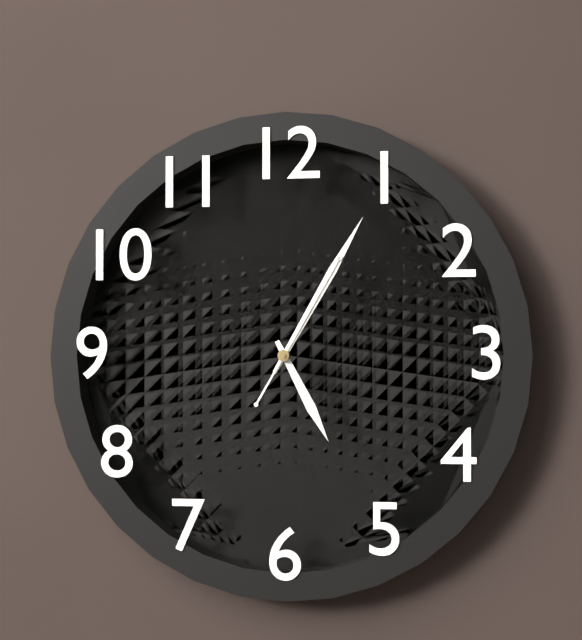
{"hour": 5, "minute": 5, "second": 5}
